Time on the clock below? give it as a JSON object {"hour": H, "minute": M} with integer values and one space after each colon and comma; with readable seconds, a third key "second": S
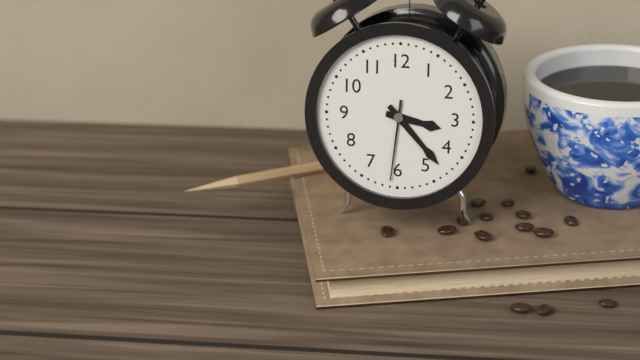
{"hour": 3, "minute": 23, "second": 31}
